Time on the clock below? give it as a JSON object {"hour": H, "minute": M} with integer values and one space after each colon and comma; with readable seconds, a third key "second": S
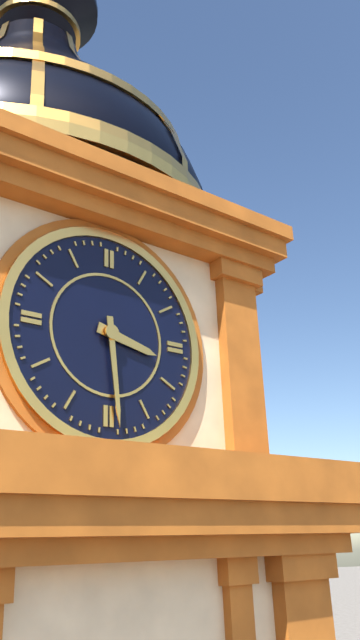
{"hour": 3, "minute": 29}
